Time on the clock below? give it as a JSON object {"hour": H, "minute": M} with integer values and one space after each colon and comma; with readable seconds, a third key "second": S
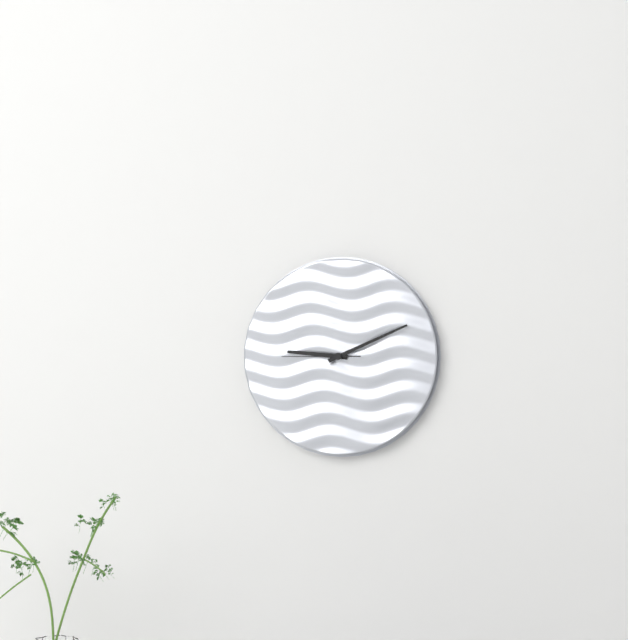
{"hour": 9, "minute": 11, "second": 45}
